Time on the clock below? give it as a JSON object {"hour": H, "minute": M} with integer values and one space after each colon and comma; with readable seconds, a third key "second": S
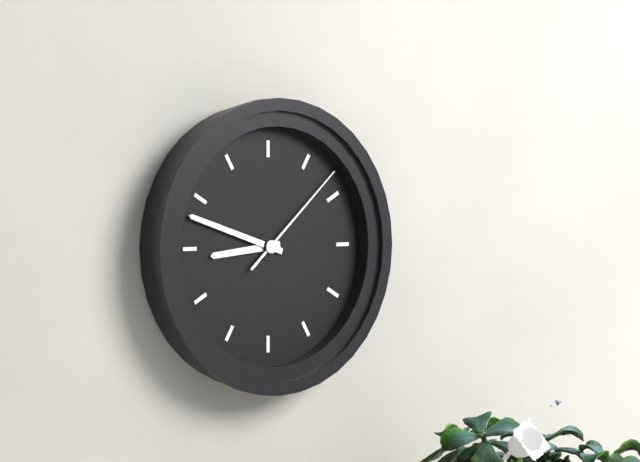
{"hour": 8, "minute": 48, "second": 8}
